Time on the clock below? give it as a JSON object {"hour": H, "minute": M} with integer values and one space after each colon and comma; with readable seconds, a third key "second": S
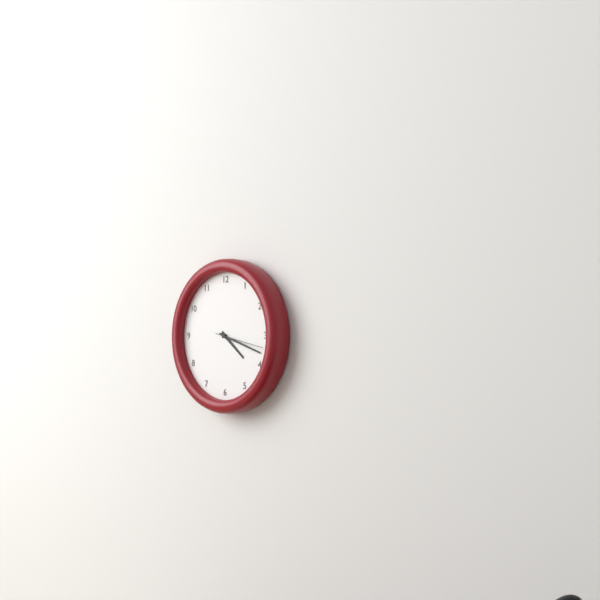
{"hour": 4, "minute": 18, "second": 17}
